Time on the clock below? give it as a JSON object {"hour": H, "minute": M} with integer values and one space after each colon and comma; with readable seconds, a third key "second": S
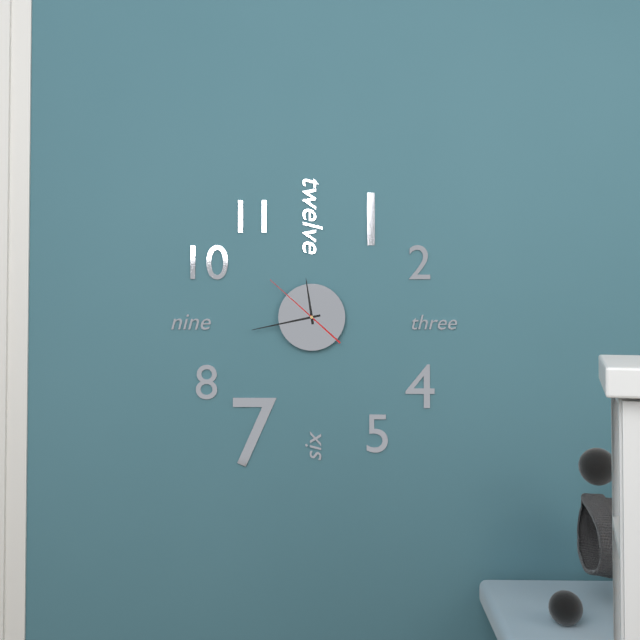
{"hour": 11, "minute": 43, "second": 52}
